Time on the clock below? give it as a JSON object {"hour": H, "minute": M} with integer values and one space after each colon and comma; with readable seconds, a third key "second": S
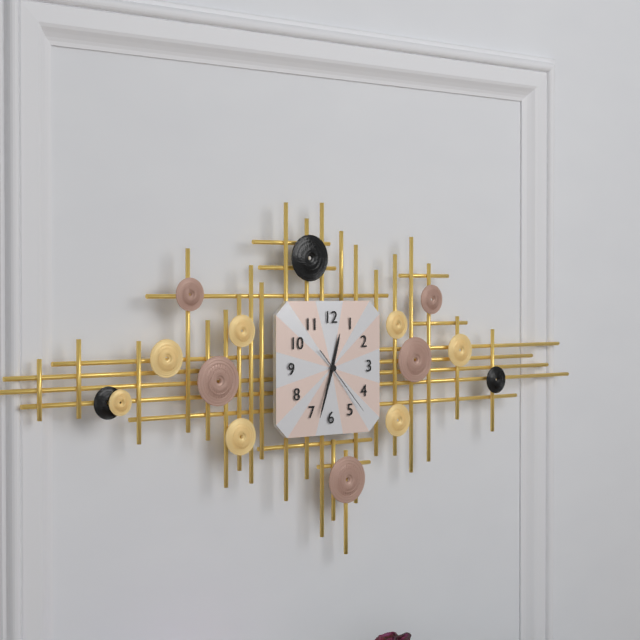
{"hour": 12, "minute": 33, "second": 23}
